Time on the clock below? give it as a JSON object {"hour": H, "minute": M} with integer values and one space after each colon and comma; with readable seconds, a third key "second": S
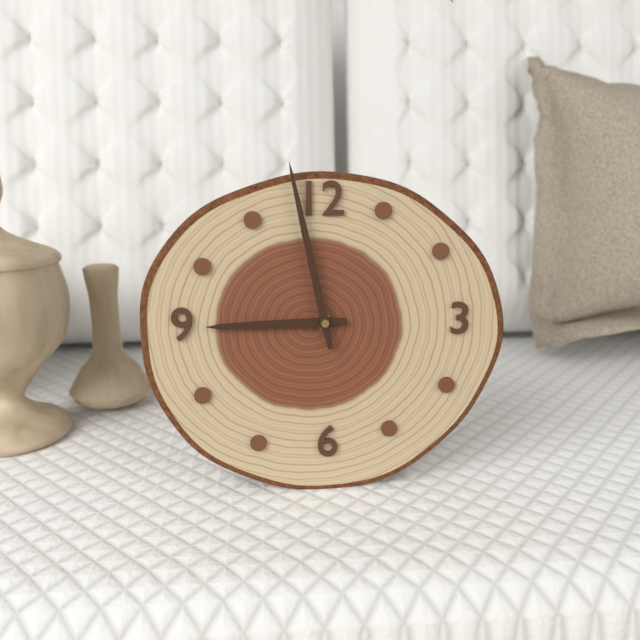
{"hour": 8, "minute": 58}
